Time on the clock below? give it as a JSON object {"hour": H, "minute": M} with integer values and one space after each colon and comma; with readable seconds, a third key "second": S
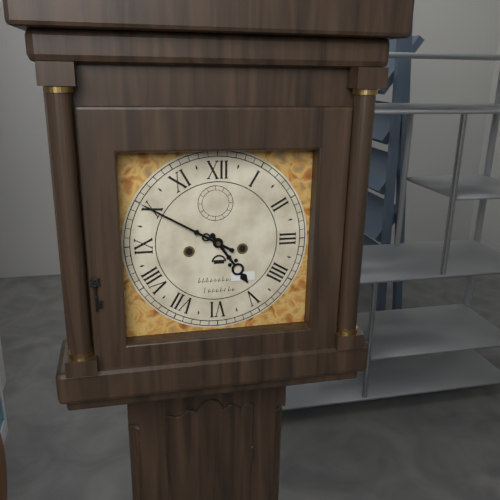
{"hour": 4, "minute": 50}
